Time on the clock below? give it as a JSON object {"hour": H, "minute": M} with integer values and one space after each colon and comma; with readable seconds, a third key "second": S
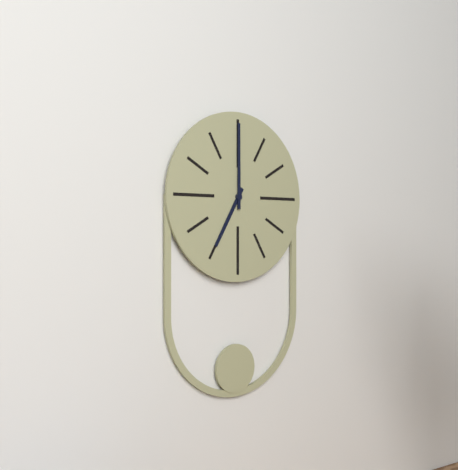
{"hour": 7, "minute": 0}
